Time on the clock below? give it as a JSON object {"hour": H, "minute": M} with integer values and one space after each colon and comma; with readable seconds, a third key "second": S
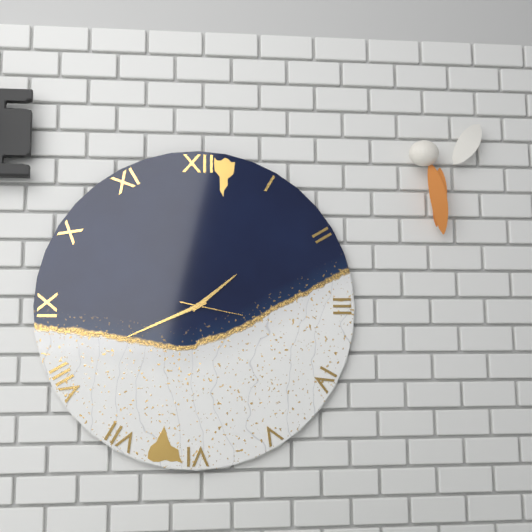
{"hour": 1, "minute": 41, "second": 17}
